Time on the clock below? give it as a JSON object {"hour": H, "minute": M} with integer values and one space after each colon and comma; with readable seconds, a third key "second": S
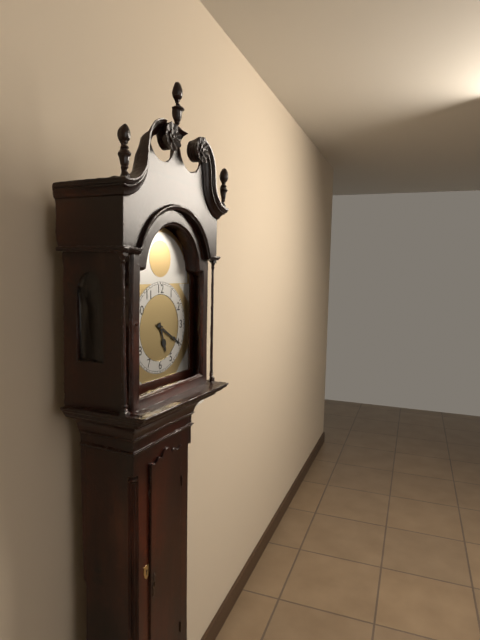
{"hour": 5, "minute": 20}
